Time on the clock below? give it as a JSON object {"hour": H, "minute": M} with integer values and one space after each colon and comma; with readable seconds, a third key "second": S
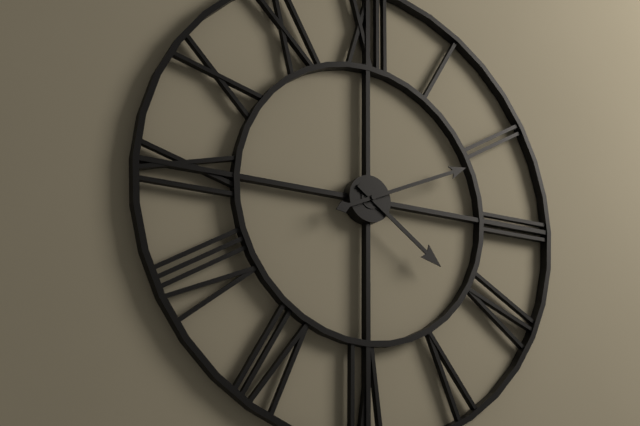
{"hour": 4, "minute": 11}
